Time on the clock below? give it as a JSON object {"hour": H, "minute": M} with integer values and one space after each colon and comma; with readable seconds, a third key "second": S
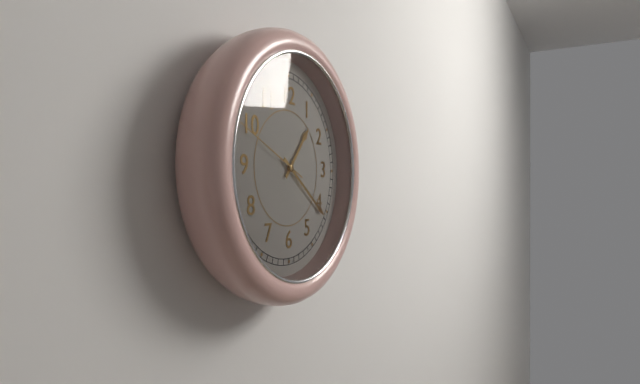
{"hour": 1, "minute": 21, "second": 49}
